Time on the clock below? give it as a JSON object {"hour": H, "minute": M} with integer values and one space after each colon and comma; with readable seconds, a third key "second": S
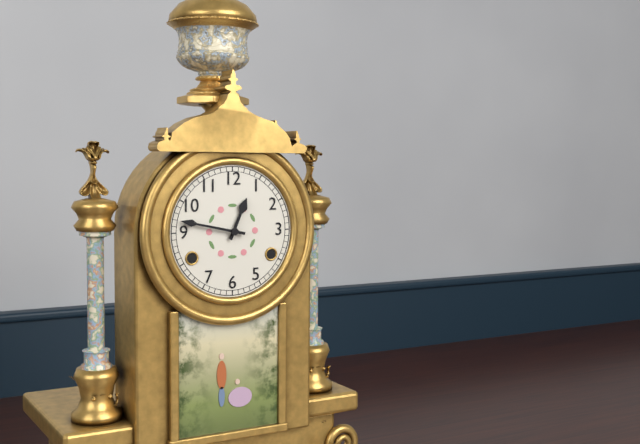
{"hour": 12, "minute": 47}
